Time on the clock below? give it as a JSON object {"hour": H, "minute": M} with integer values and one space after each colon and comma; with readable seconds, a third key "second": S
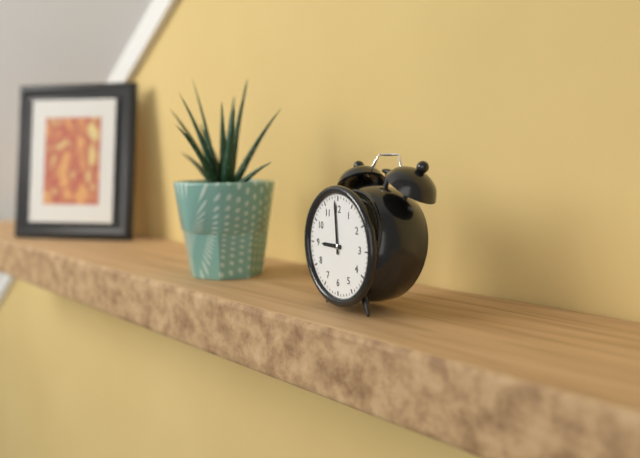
{"hour": 8, "minute": 59}
